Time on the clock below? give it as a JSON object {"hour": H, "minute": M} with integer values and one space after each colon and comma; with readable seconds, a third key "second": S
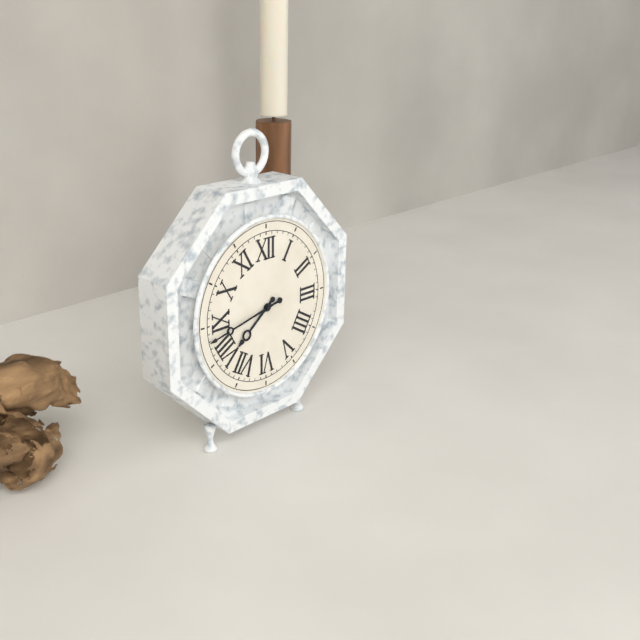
{"hour": 7, "minute": 43}
